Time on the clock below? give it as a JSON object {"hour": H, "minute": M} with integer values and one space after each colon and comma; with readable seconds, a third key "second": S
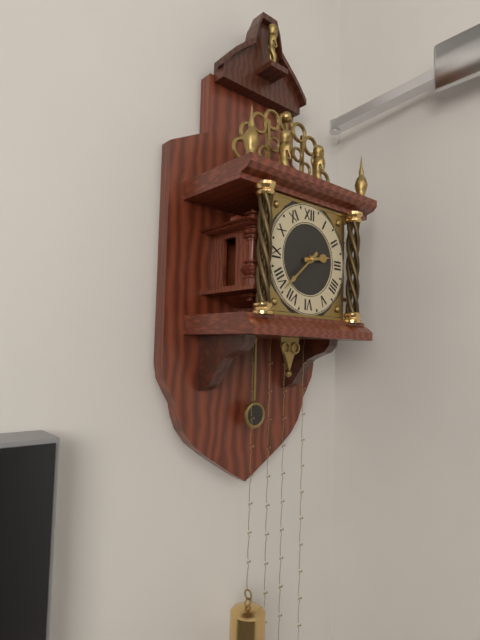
{"hour": 2, "minute": 38}
